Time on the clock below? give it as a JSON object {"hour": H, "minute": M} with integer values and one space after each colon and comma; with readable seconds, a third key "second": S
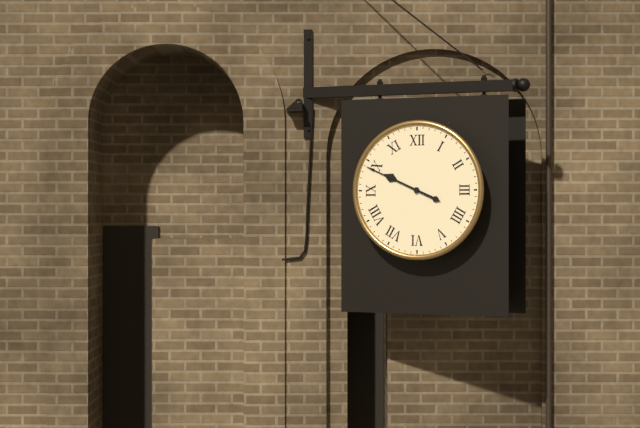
{"hour": 9, "minute": 49}
